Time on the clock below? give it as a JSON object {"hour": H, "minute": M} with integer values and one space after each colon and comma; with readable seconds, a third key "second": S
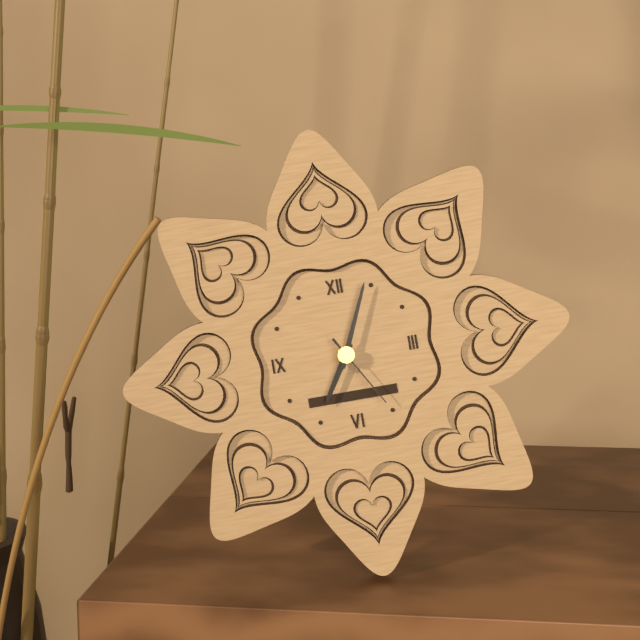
{"hour": 7, "minute": 4, "second": 25}
